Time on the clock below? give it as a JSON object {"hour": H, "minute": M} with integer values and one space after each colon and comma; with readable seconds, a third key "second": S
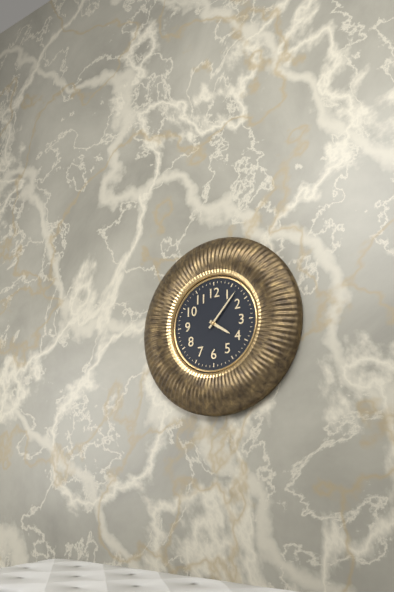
{"hour": 4, "minute": 7}
